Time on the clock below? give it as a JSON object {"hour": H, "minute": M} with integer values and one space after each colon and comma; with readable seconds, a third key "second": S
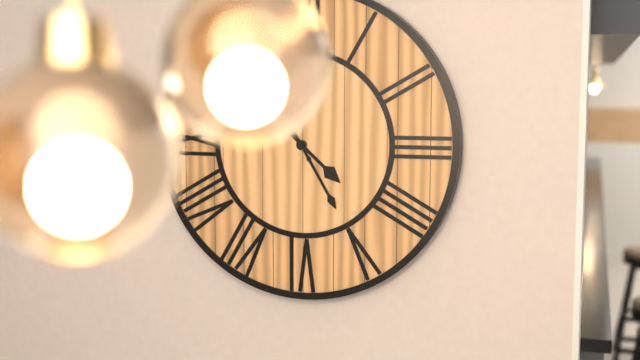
{"hour": 4, "minute": 25}
